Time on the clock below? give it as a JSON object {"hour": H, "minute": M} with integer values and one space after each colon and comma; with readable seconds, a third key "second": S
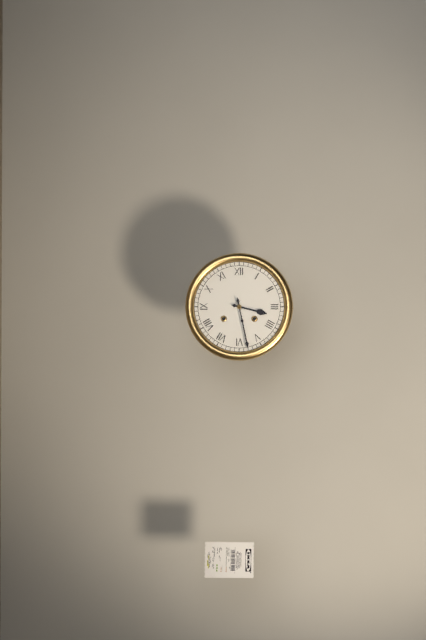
{"hour": 3, "minute": 28}
